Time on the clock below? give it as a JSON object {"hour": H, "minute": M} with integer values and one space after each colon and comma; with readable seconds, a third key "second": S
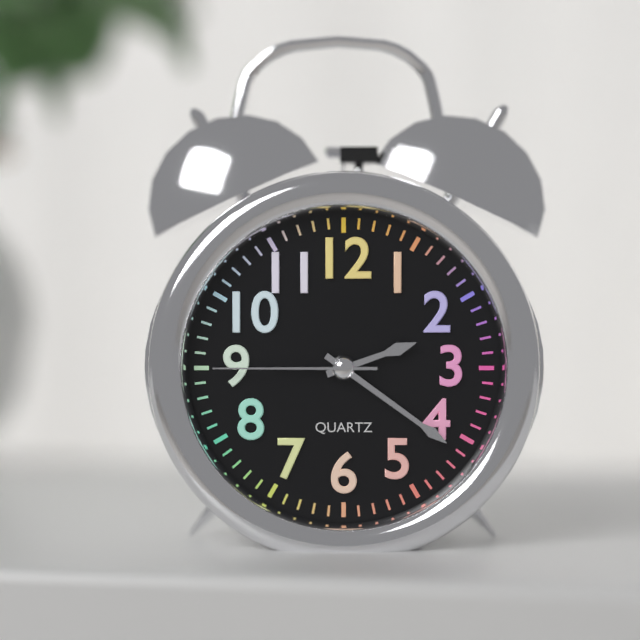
{"hour": 2, "minute": 21, "second": 45}
